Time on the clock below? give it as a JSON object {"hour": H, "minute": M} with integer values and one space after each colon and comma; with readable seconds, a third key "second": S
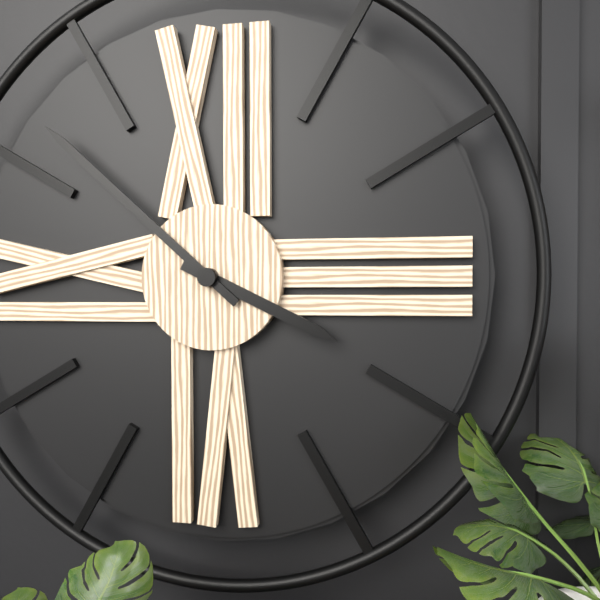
{"hour": 3, "minute": 52}
